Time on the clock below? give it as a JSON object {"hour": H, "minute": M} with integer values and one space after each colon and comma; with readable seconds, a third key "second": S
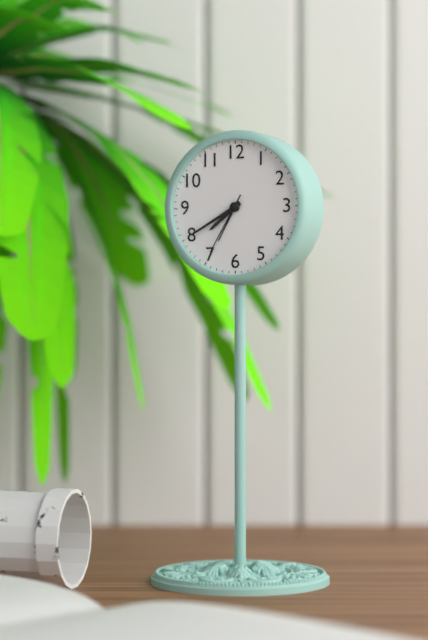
{"hour": 7, "minute": 40, "second": 35}
